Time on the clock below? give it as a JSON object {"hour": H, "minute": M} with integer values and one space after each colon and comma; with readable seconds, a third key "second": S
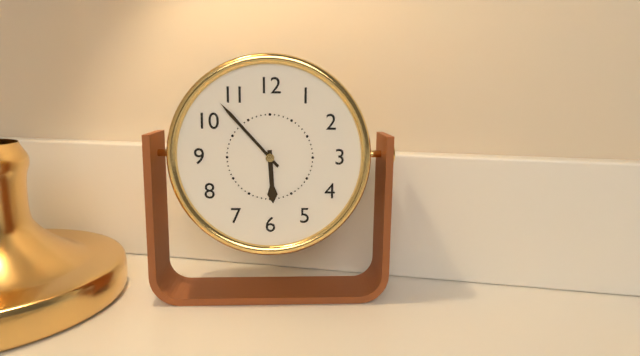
{"hour": 5, "minute": 53}
